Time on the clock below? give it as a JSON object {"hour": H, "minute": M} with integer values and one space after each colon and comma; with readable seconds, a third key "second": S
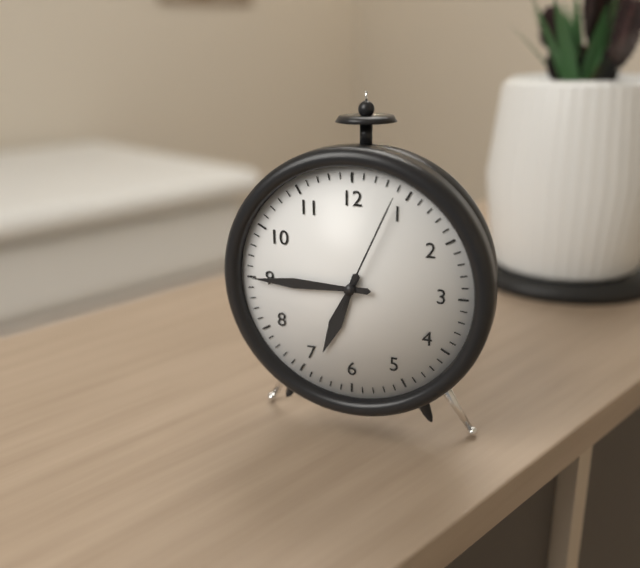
{"hour": 6, "minute": 45, "second": 4}
